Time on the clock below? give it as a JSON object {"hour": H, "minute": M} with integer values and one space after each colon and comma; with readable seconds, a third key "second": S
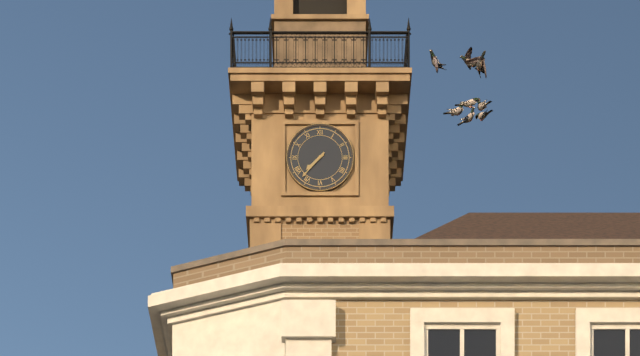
{"hour": 7, "minute": 37}
